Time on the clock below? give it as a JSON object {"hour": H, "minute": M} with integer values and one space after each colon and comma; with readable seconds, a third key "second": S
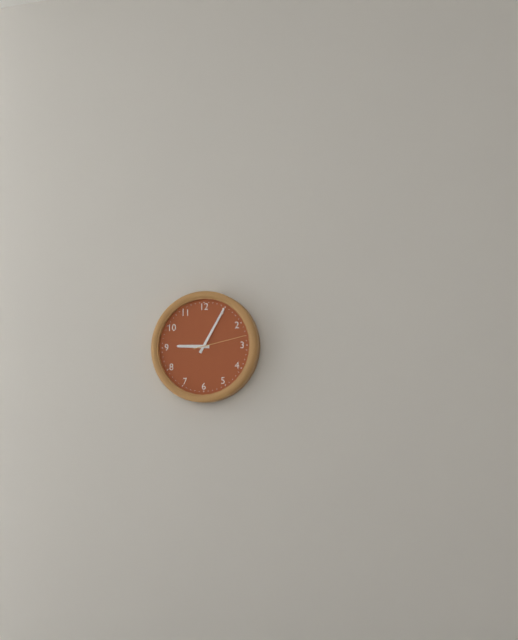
{"hour": 9, "minute": 5, "second": 13}
